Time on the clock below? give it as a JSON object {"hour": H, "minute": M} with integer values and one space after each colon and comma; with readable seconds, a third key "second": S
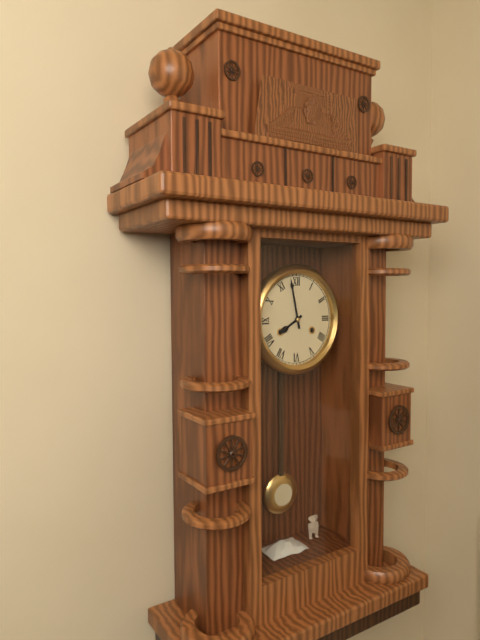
{"hour": 7, "minute": 58}
